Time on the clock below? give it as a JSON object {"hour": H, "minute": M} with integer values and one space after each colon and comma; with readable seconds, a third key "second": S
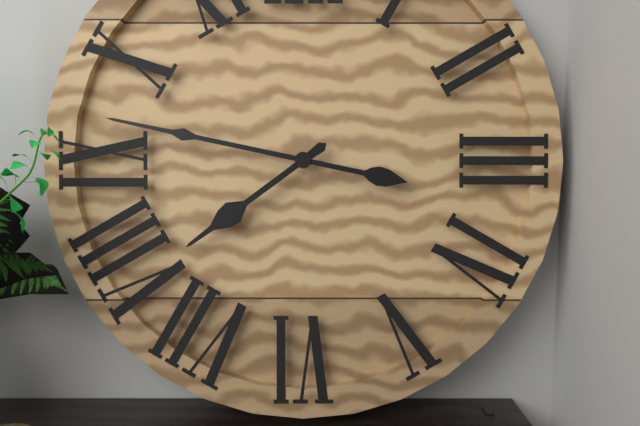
{"hour": 7, "minute": 47}
